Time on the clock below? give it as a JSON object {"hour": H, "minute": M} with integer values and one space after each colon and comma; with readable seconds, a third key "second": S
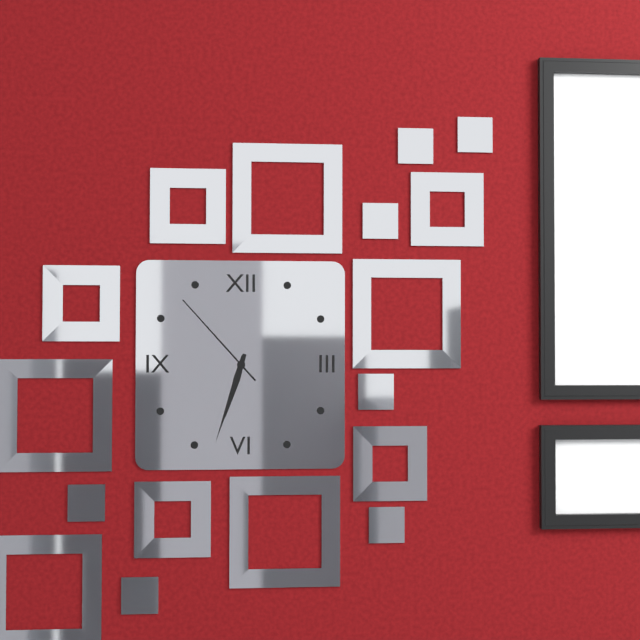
{"hour": 6, "minute": 33, "second": 53}
